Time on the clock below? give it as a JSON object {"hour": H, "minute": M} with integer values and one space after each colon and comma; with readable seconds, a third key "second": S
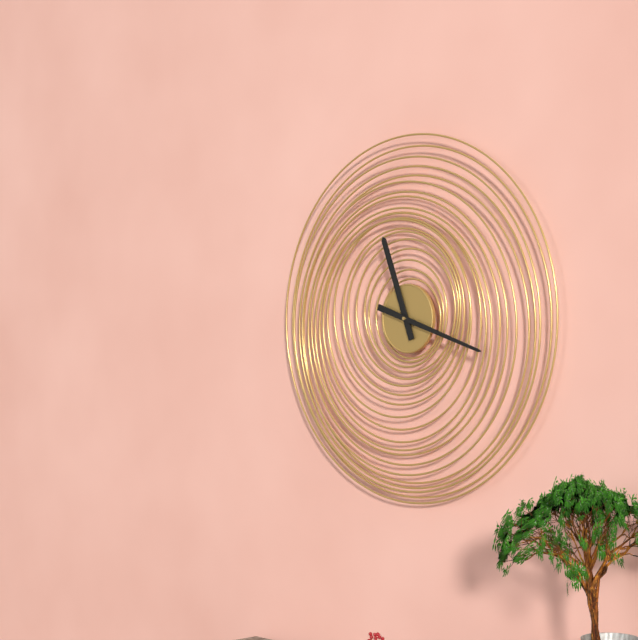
{"hour": 11, "minute": 18}
